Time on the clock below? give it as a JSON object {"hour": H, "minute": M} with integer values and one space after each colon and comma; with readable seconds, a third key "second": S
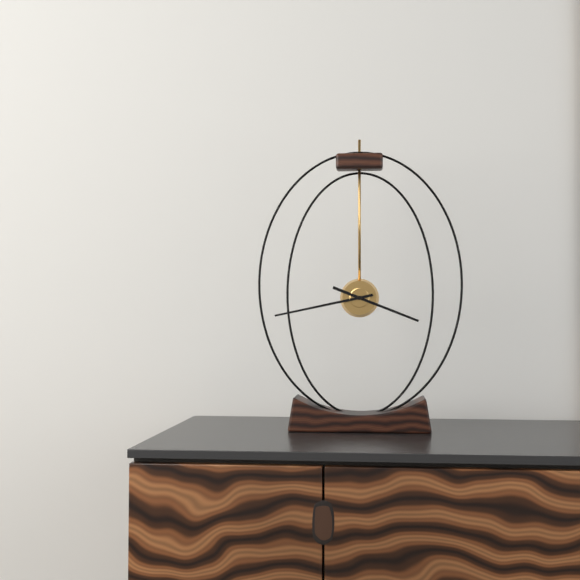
{"hour": 3, "minute": 43}
